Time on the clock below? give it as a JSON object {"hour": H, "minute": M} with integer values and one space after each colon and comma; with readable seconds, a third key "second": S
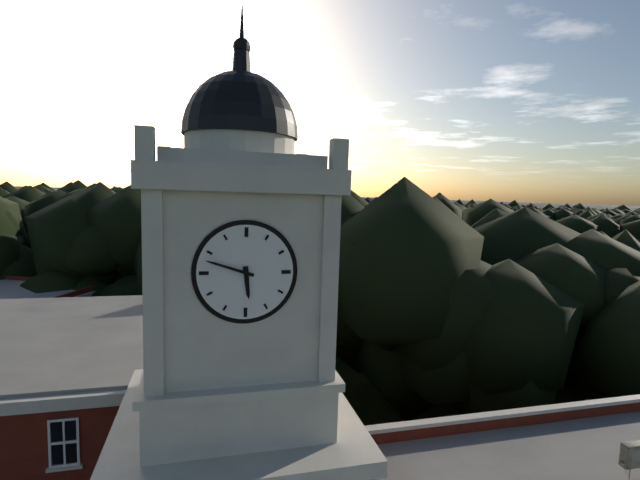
{"hour": 5, "minute": 48}
